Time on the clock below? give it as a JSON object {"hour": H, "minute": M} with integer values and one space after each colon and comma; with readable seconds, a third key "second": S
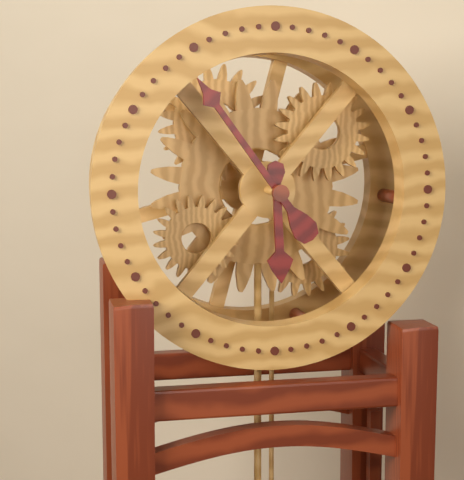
{"hour": 5, "minute": 54}
